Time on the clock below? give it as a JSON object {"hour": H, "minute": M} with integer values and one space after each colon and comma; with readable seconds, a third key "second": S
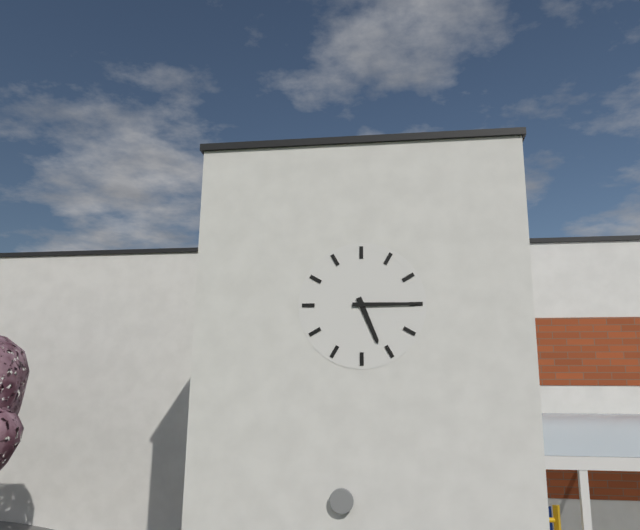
{"hour": 5, "minute": 15}
